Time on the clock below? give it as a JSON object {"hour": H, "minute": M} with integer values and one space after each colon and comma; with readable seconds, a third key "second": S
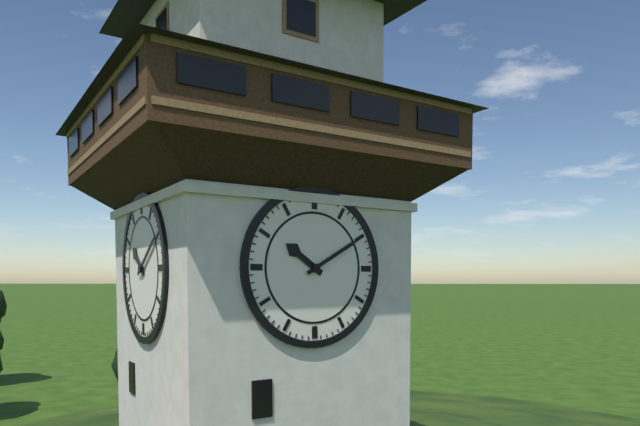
{"hour": 10, "minute": 10}
